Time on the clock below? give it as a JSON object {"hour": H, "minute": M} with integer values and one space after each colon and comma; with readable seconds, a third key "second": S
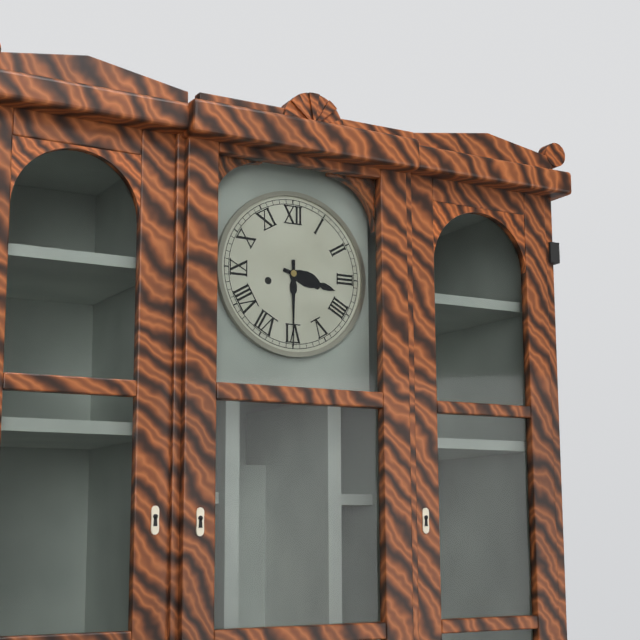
{"hour": 3, "minute": 30}
